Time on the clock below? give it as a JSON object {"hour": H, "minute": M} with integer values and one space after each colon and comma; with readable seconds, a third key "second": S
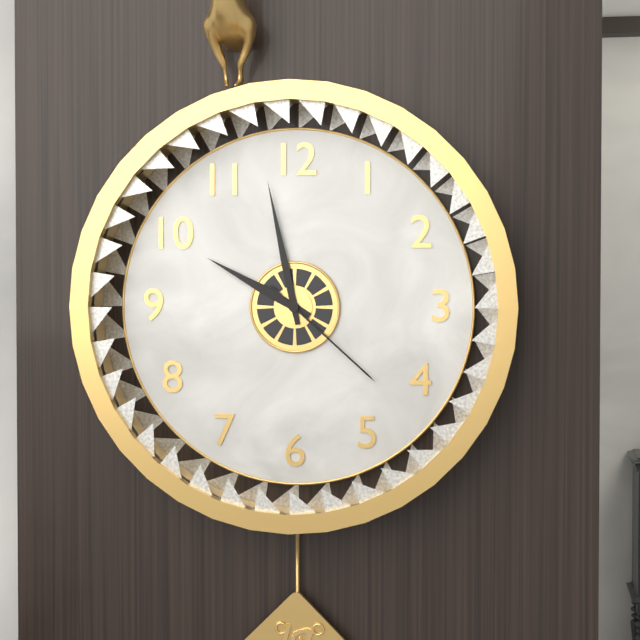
{"hour": 9, "minute": 58, "second": 22}
